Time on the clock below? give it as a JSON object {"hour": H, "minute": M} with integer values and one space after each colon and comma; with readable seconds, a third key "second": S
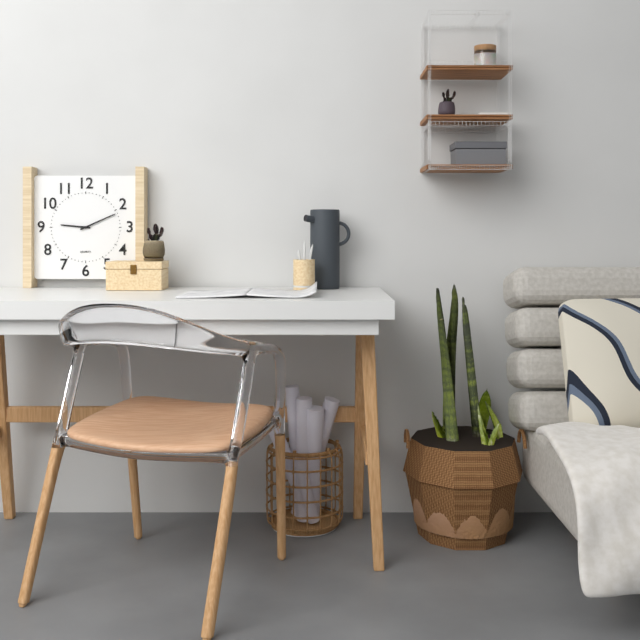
{"hour": 9, "minute": 11}
